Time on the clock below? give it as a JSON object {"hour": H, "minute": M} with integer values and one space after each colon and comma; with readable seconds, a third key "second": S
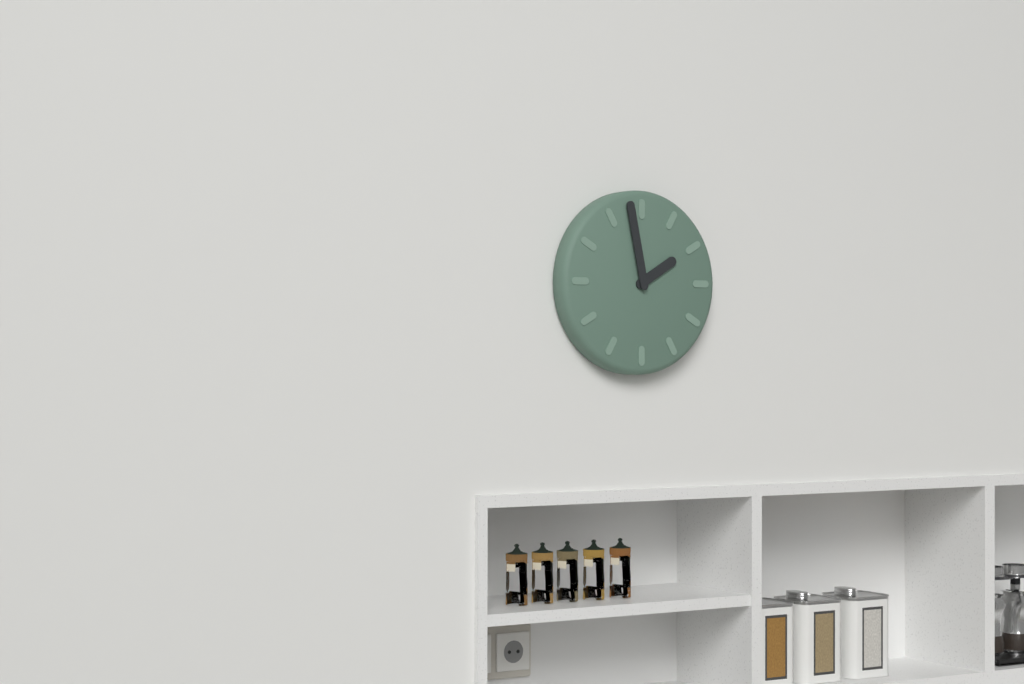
{"hour": 1, "minute": 58}
